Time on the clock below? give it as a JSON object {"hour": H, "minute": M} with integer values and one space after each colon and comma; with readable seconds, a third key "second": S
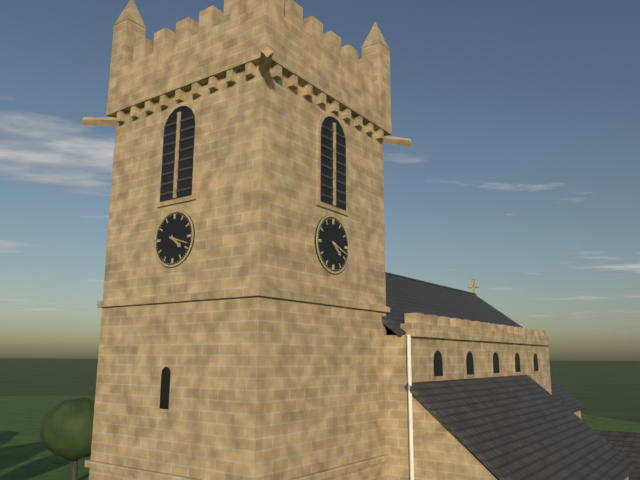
{"hour": 4, "minute": 18}
